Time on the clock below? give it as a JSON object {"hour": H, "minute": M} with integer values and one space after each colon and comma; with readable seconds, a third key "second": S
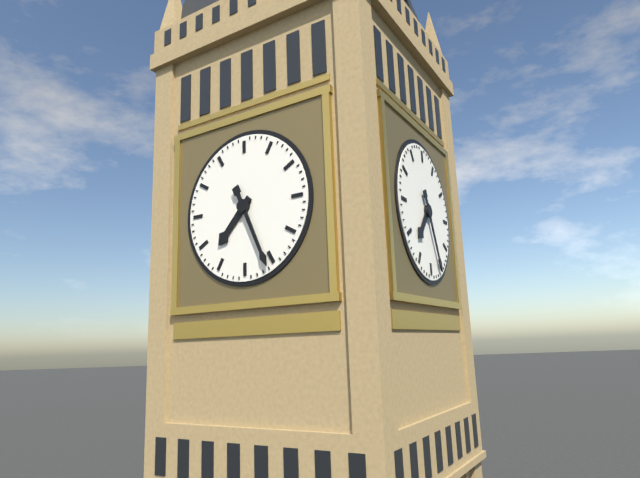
{"hour": 7, "minute": 26}
